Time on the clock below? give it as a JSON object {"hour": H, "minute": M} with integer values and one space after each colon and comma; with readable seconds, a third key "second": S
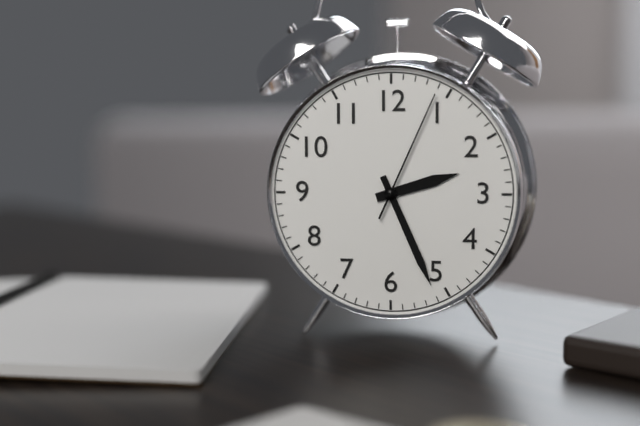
{"hour": 2, "minute": 26, "second": 4}
